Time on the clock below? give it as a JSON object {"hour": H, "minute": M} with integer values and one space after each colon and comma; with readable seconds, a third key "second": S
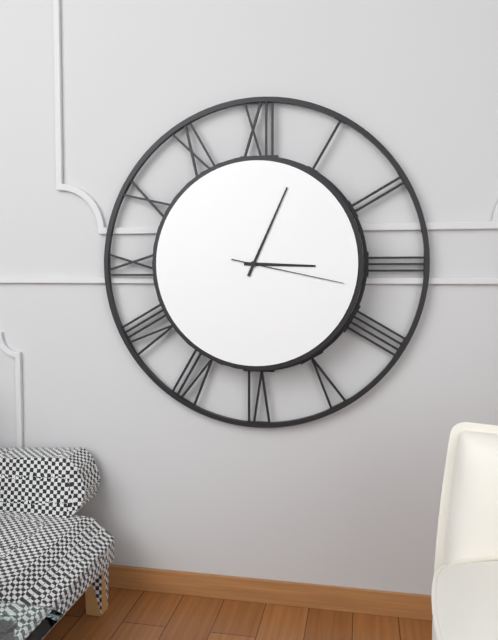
{"hour": 3, "minute": 4, "second": 17}
